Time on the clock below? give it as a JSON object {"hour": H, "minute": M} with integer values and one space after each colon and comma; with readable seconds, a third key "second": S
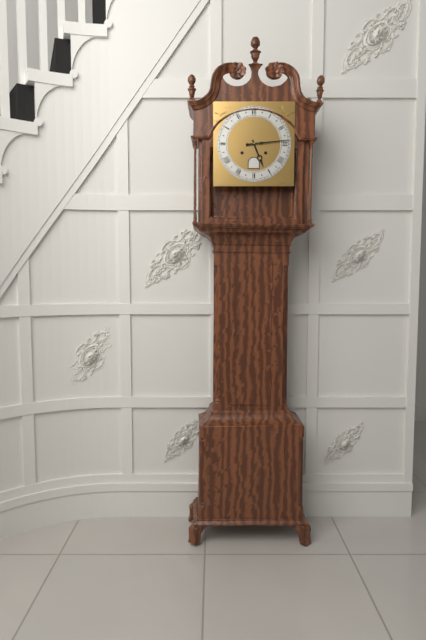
{"hour": 5, "minute": 14}
